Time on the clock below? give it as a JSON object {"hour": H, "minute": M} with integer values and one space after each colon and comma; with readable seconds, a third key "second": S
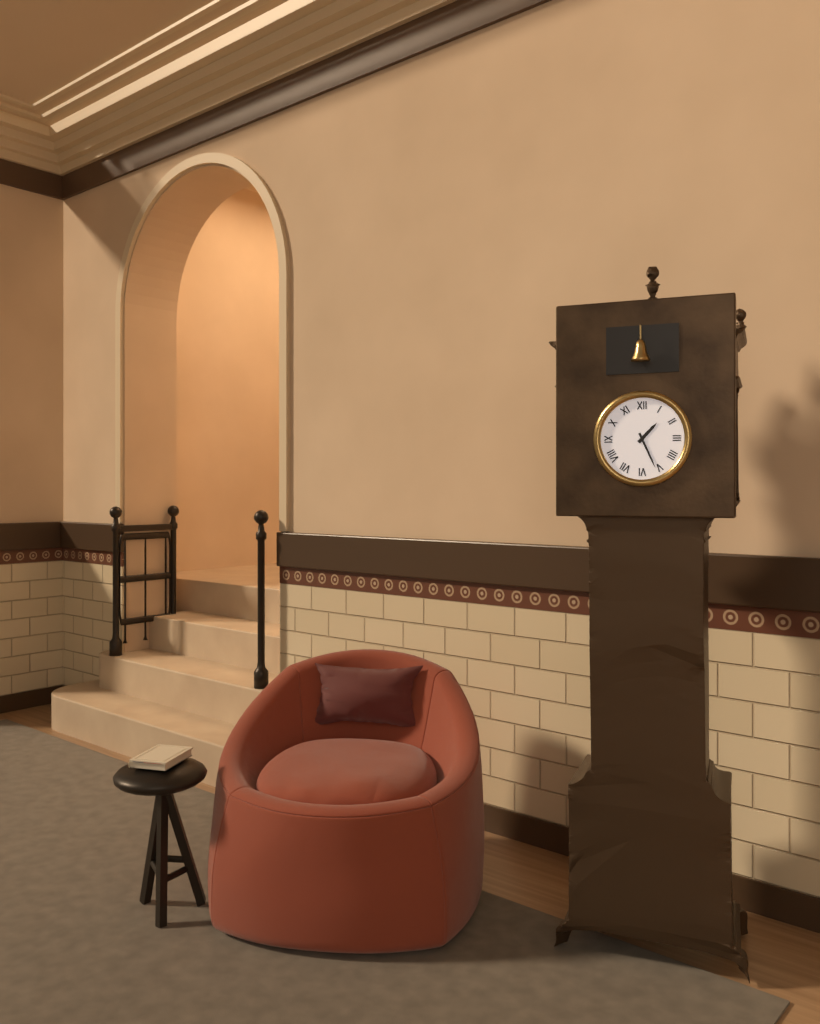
{"hour": 1, "minute": 26}
